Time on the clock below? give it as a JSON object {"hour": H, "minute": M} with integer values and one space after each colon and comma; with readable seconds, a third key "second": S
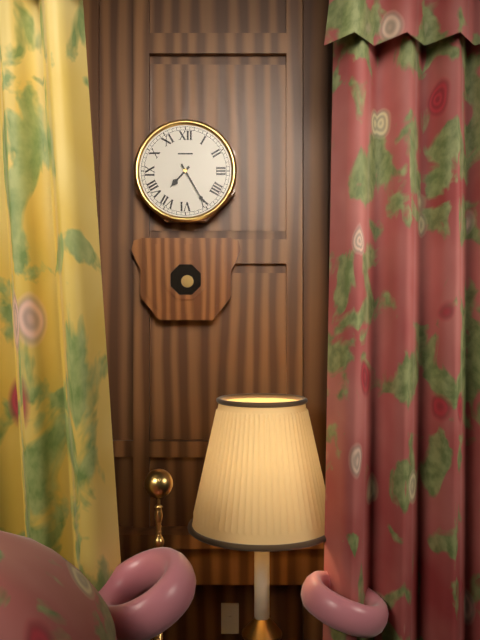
{"hour": 7, "minute": 25}
